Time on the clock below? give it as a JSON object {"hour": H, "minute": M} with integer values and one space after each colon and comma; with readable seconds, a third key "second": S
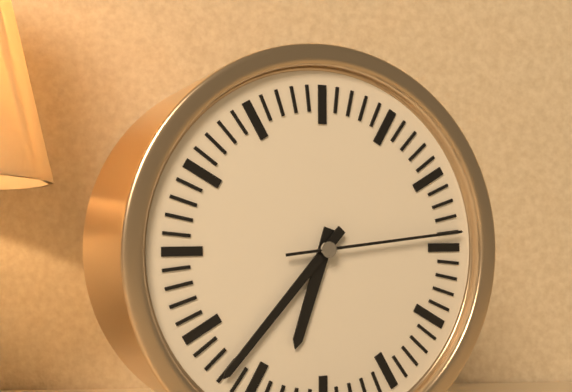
{"hour": 6, "minute": 37, "second": 14}
